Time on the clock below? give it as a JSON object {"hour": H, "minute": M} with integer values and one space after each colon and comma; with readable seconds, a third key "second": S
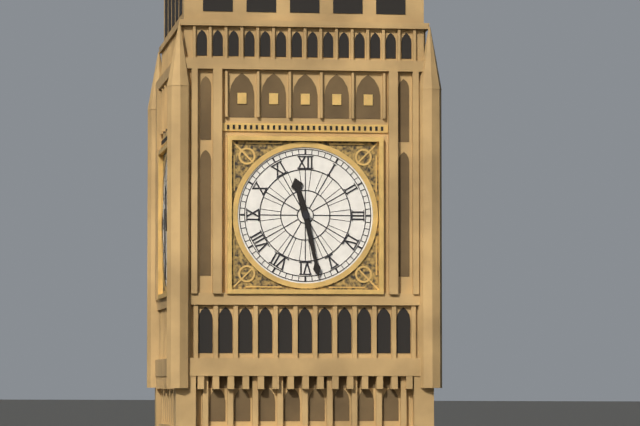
{"hour": 11, "minute": 28}
